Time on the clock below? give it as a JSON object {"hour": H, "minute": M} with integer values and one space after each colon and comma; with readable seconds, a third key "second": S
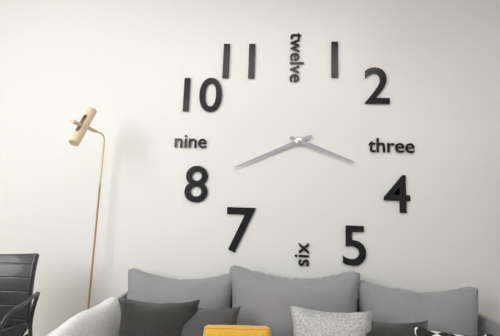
{"hour": 3, "minute": 41}
